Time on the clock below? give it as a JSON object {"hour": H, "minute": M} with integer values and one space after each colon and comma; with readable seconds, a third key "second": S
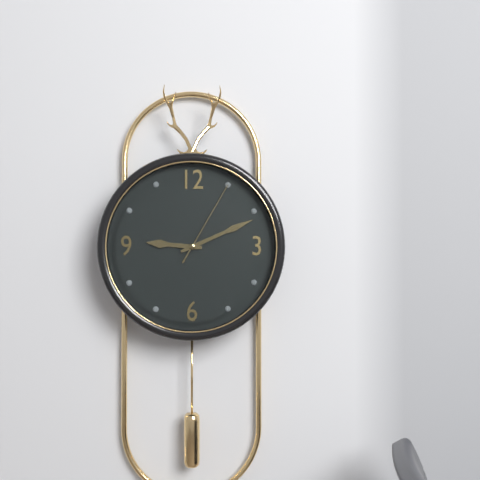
{"hour": 9, "minute": 11, "second": 5}
